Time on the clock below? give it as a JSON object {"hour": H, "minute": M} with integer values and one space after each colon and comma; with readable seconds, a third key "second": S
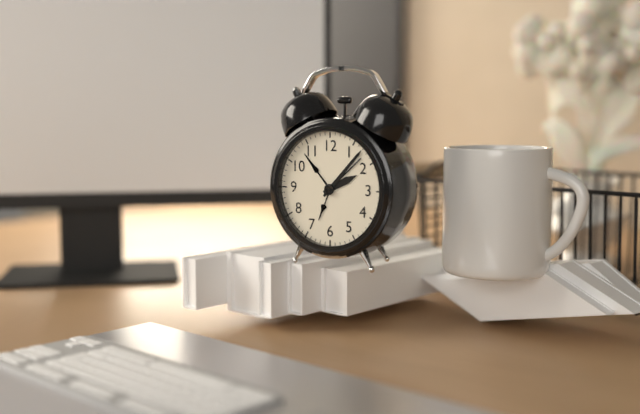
{"hour": 2, "minute": 7}
